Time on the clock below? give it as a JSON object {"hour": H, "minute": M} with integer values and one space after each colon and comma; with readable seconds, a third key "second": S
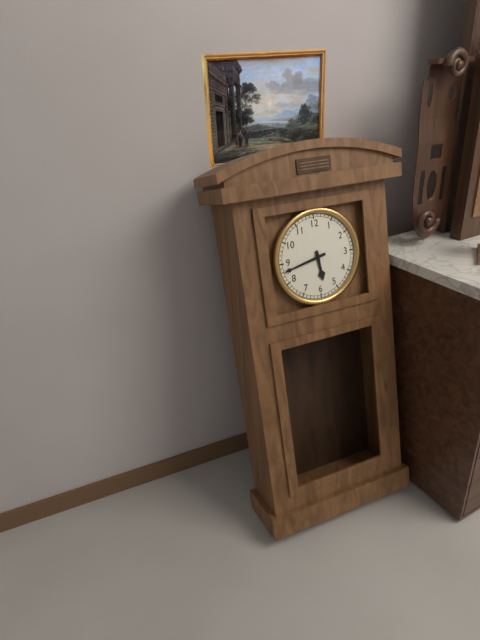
{"hour": 5, "minute": 43}
